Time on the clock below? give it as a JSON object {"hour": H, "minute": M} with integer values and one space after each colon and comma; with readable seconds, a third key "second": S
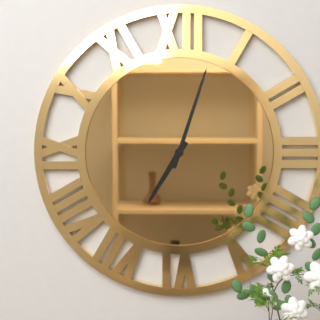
{"hour": 7, "minute": 3}
